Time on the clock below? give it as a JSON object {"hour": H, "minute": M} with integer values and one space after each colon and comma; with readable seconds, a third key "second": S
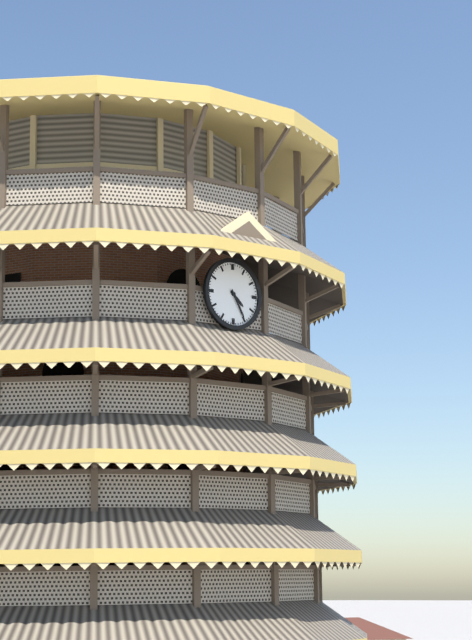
{"hour": 4, "minute": 25}
